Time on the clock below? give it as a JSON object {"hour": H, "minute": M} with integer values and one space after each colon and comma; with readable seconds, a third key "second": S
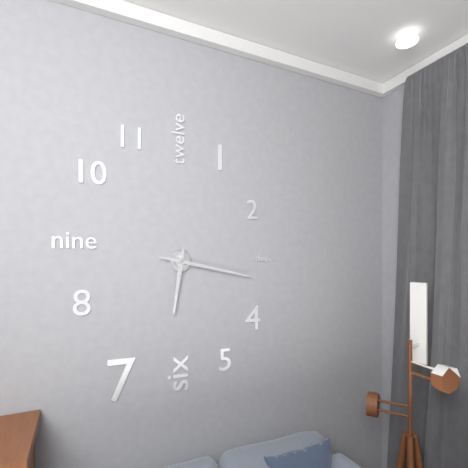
{"hour": 6, "minute": 17}
